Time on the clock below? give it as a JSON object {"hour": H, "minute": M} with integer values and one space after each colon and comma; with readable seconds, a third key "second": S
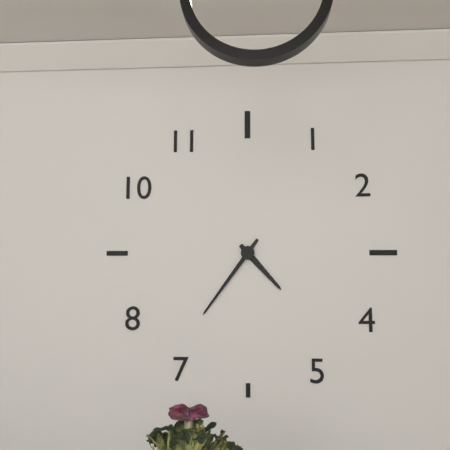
{"hour": 4, "minute": 36}
